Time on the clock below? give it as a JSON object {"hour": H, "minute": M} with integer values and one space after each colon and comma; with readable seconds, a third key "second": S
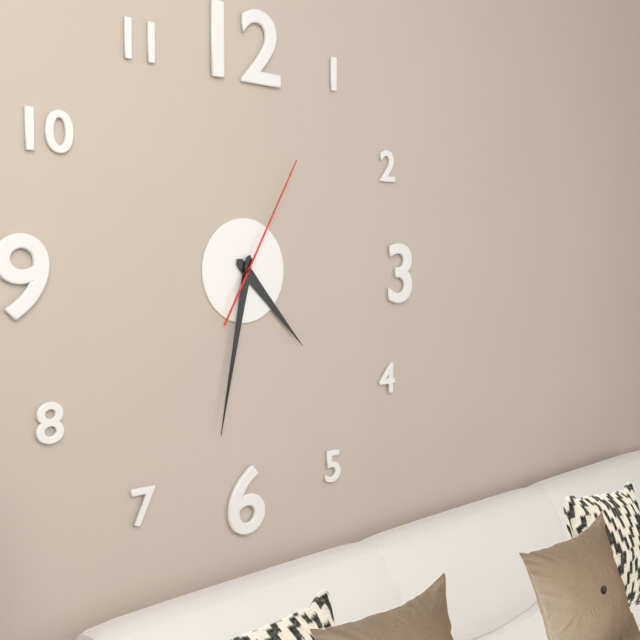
{"hour": 4, "minute": 32, "second": 5}
